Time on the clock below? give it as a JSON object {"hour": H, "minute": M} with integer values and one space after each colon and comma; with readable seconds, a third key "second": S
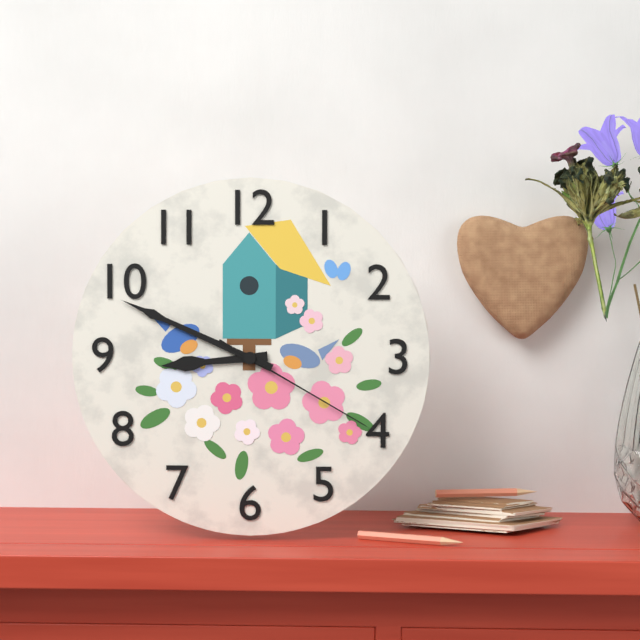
{"hour": 8, "minute": 49, "second": 20}
